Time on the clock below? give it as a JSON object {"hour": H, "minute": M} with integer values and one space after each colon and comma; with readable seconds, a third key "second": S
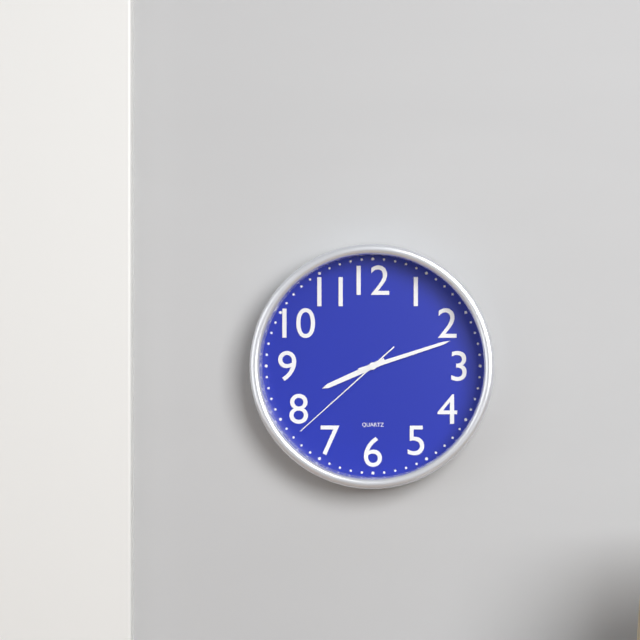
{"hour": 8, "minute": 12, "second": 38}
